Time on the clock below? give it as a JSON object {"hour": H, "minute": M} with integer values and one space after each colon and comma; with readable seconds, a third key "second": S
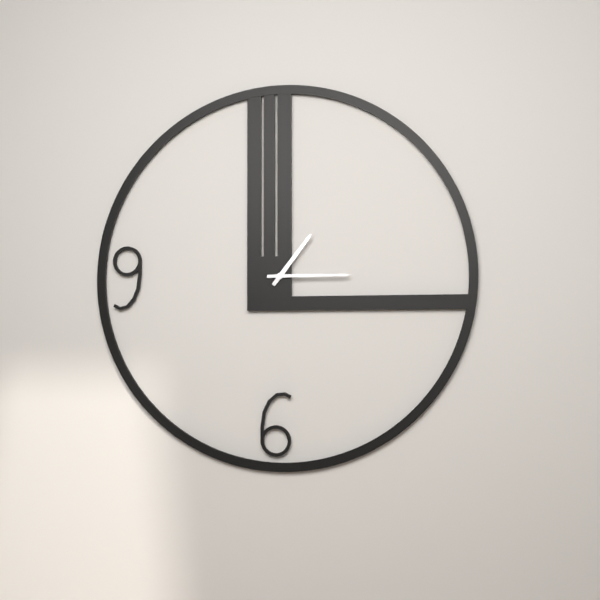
{"hour": 1, "minute": 15}
